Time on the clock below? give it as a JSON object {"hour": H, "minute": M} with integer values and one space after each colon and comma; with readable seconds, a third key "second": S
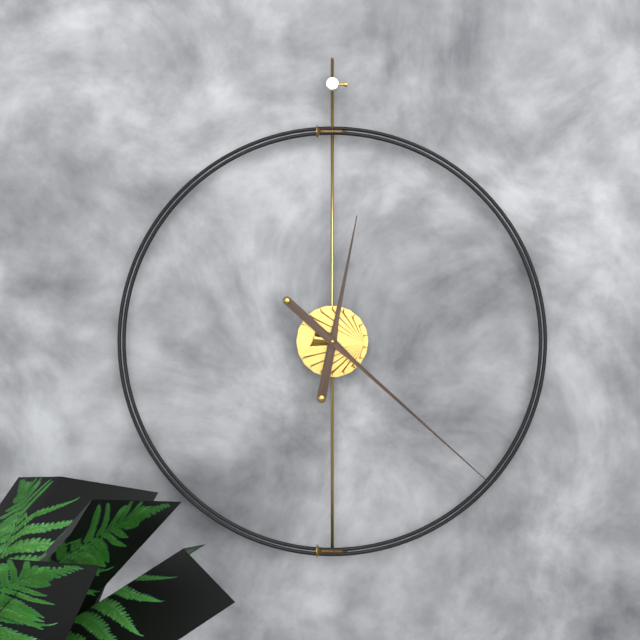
{"hour": 12, "minute": 22}
